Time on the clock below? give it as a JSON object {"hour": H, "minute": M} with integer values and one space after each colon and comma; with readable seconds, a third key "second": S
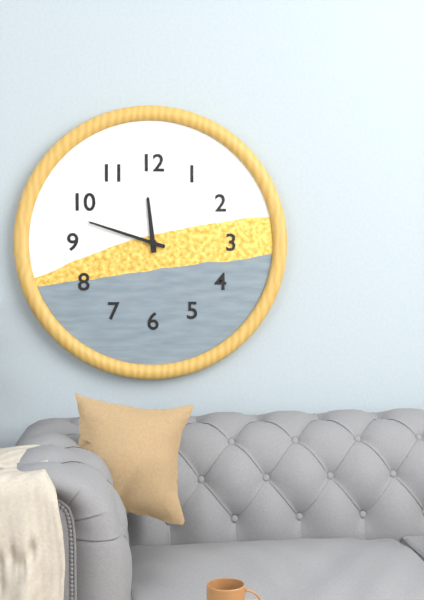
{"hour": 11, "minute": 48}
